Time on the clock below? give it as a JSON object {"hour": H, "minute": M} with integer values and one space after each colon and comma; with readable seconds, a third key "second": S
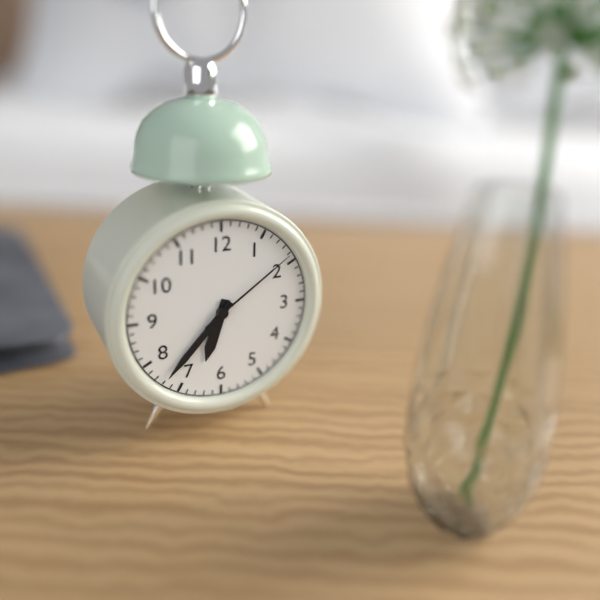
{"hour": 6, "minute": 37, "second": 9}
